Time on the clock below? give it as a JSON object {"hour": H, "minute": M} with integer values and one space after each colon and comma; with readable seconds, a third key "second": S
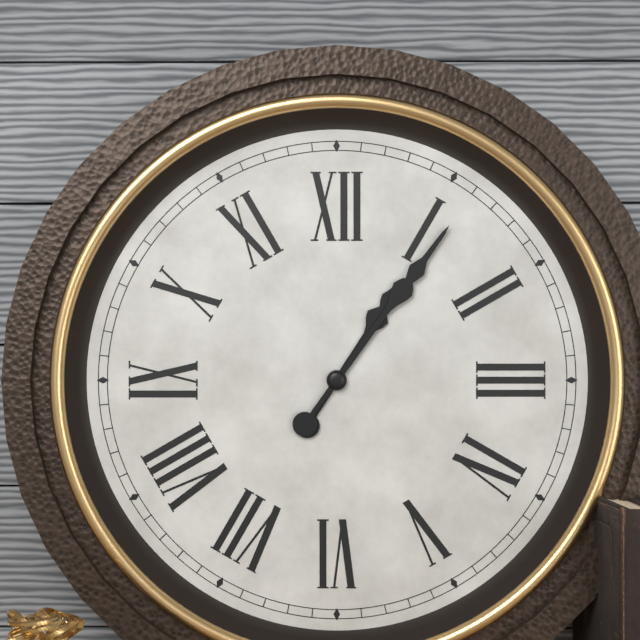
{"hour": 1, "minute": 6}
